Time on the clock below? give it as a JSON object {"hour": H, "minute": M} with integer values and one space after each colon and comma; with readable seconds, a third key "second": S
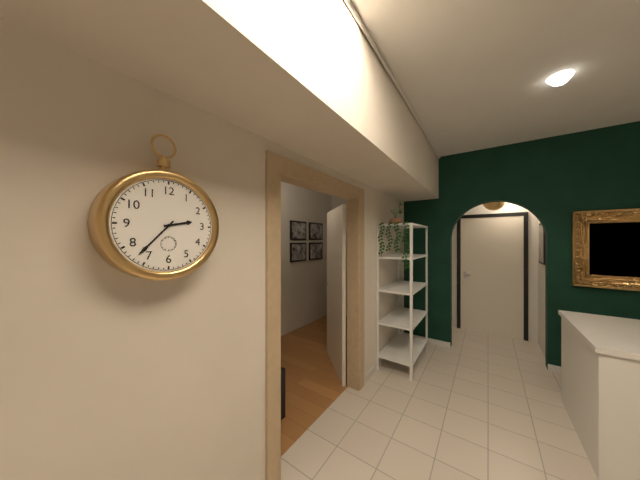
{"hour": 2, "minute": 37}
